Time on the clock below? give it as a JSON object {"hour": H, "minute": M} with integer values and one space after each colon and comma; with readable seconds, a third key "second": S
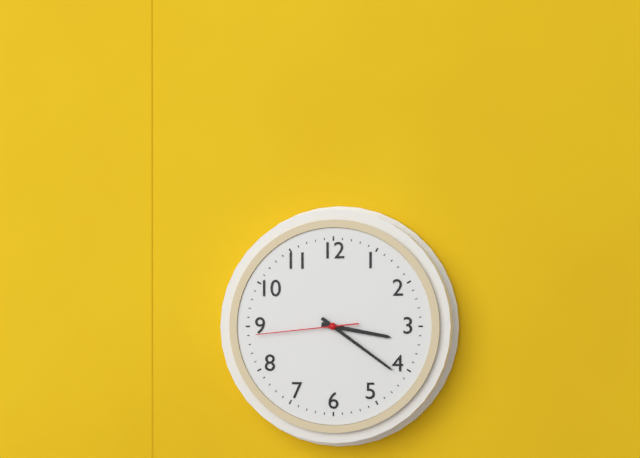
{"hour": 3, "minute": 21, "second": 44}
